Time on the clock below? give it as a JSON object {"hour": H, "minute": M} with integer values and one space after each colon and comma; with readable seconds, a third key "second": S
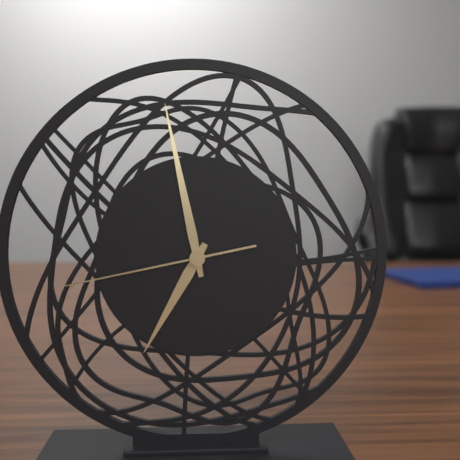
{"hour": 6, "minute": 58, "second": 43}
